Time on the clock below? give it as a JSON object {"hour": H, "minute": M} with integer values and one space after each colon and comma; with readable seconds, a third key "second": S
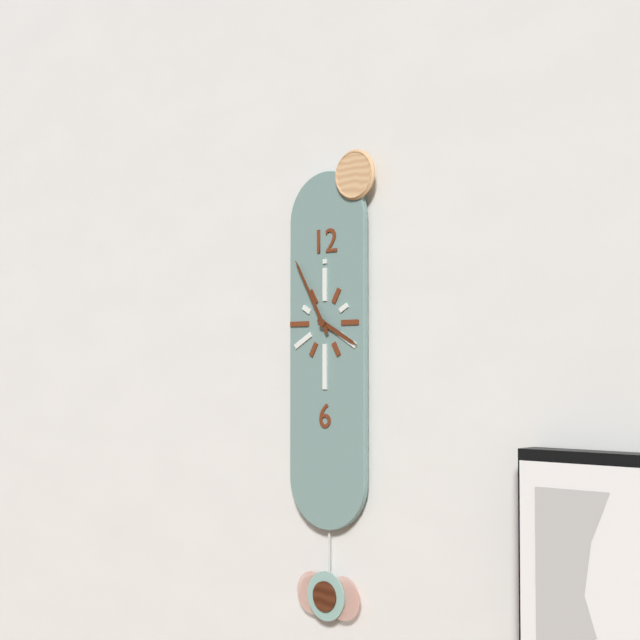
{"hour": 3, "minute": 55}
